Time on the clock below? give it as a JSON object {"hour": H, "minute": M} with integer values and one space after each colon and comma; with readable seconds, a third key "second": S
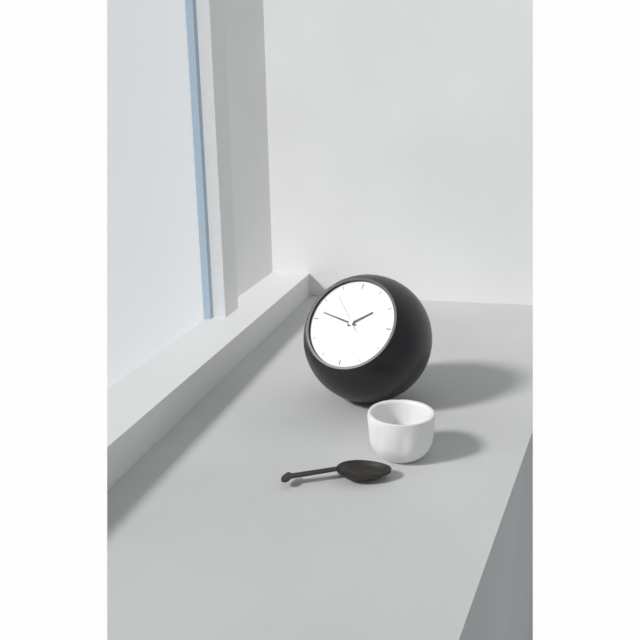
{"hour": 1, "minute": 47, "second": 53}
